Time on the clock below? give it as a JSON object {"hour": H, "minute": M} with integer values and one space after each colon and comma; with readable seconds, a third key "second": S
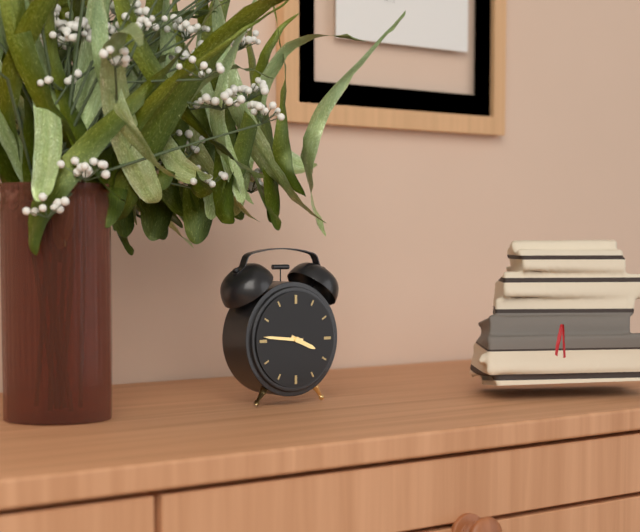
{"hour": 3, "minute": 46}
